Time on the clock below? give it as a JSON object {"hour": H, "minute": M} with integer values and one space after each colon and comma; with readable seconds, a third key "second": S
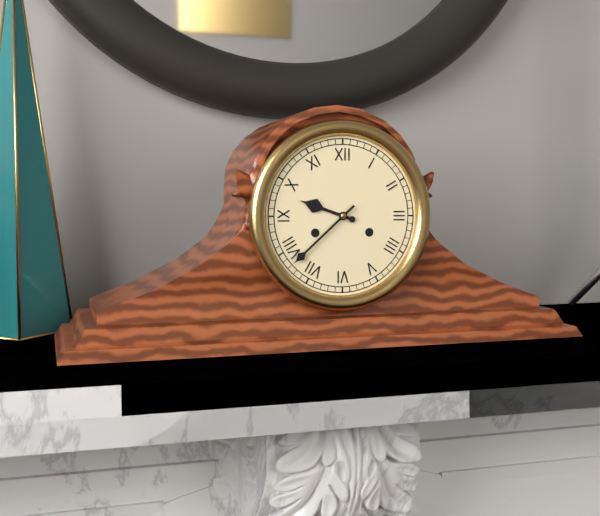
{"hour": 9, "minute": 38}
